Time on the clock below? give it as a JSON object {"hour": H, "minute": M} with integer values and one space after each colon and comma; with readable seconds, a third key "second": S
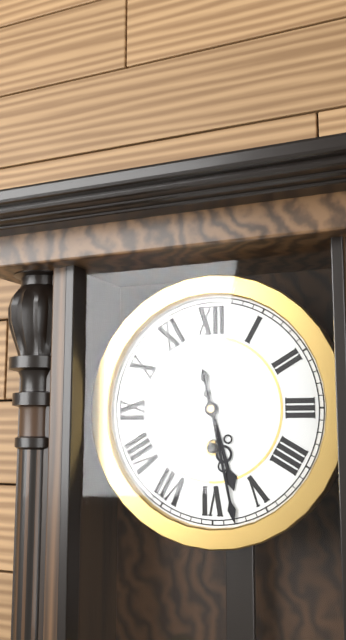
{"hour": 5, "minute": 28}
